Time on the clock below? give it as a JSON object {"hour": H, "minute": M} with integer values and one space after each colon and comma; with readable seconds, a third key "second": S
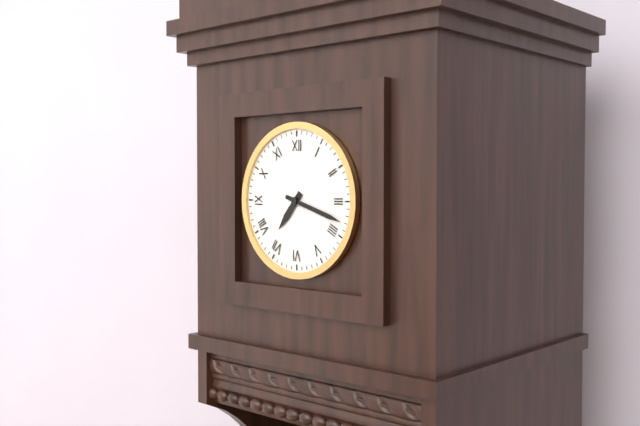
{"hour": 7, "minute": 18}
